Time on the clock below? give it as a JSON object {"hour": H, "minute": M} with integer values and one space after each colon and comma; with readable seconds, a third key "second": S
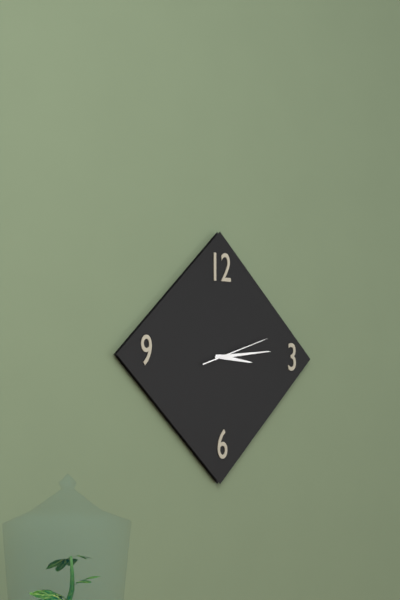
{"hour": 3, "minute": 14, "second": 12}
